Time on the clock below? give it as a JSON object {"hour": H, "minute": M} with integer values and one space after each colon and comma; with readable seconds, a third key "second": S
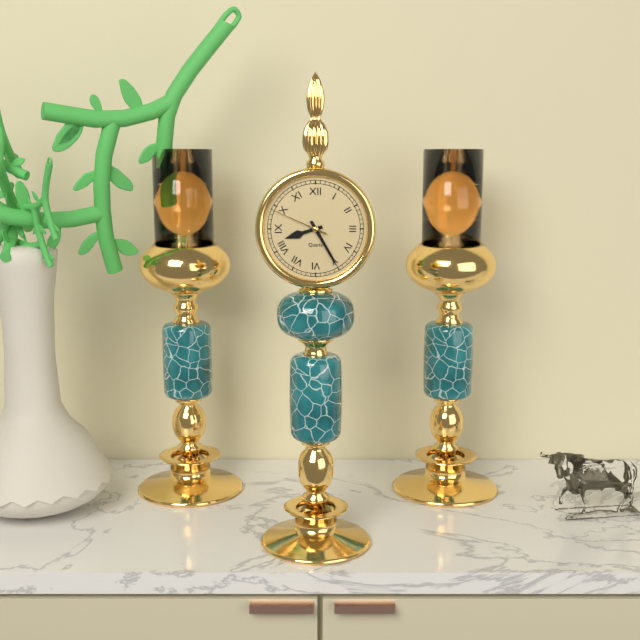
{"hour": 8, "minute": 25, "second": 49}
